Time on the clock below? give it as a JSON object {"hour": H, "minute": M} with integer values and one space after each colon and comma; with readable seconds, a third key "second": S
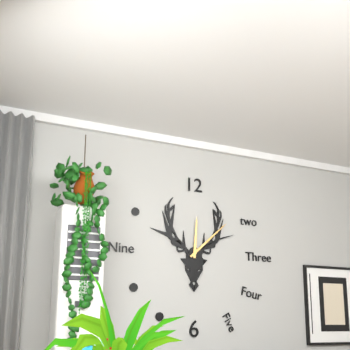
{"hour": 12, "minute": 8}
